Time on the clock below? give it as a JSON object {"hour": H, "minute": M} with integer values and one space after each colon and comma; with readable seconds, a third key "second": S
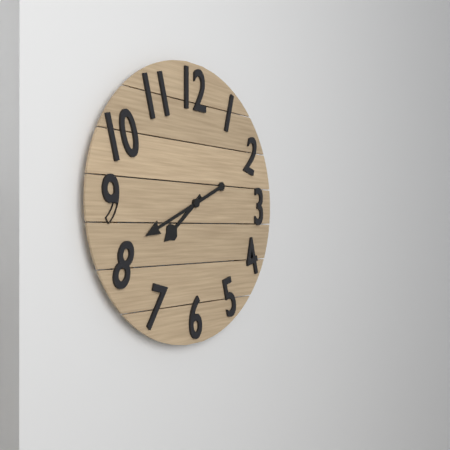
{"hour": 7, "minute": 41}
